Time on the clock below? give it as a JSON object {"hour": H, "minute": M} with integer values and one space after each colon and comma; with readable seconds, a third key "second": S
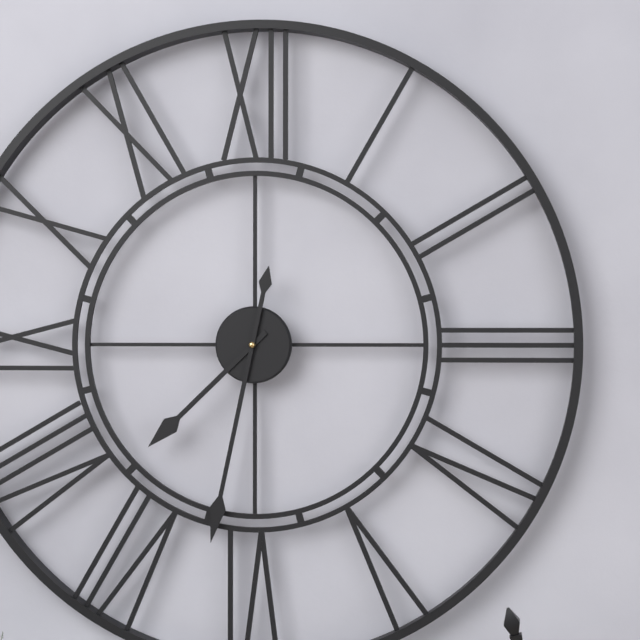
{"hour": 7, "minute": 32}
